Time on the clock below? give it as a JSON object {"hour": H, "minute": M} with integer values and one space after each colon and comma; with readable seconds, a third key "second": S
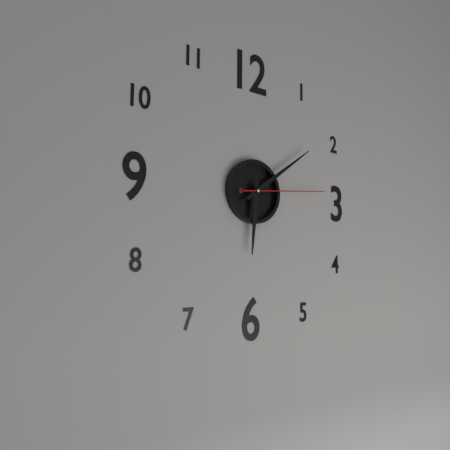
{"hour": 6, "minute": 9, "second": 14}
